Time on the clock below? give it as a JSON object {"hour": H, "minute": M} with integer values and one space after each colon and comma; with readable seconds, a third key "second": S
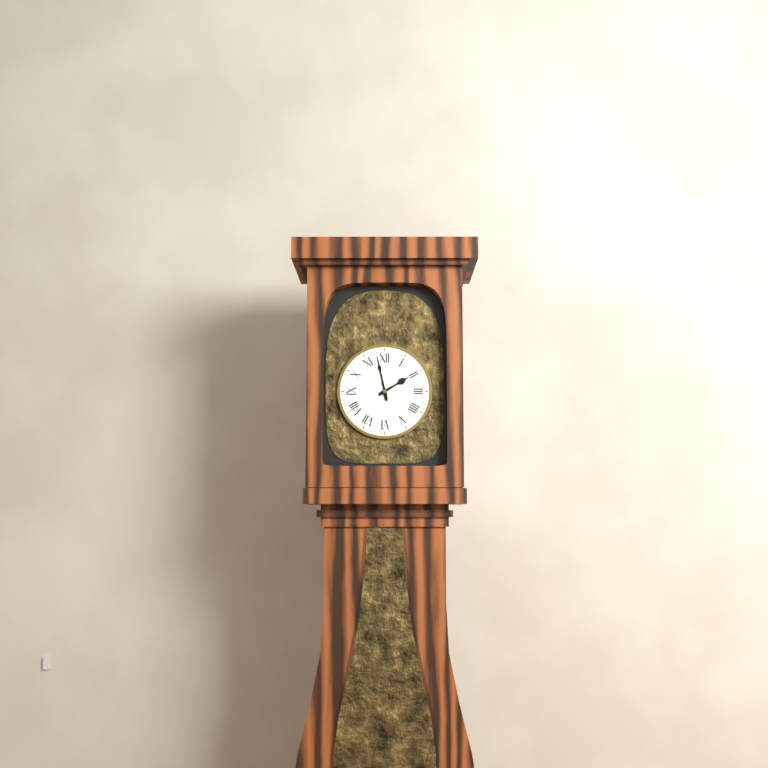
{"hour": 1, "minute": 58}
